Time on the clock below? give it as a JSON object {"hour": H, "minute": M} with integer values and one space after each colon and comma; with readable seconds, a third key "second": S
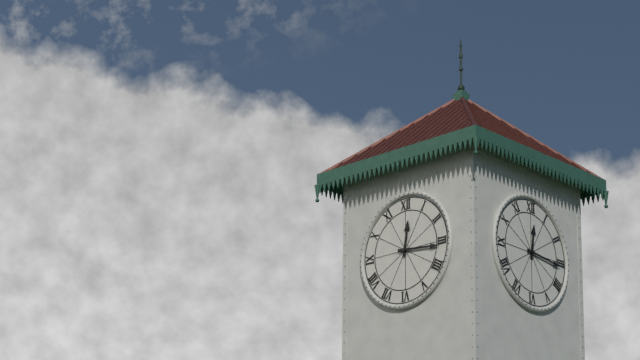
{"hour": 12, "minute": 16}
